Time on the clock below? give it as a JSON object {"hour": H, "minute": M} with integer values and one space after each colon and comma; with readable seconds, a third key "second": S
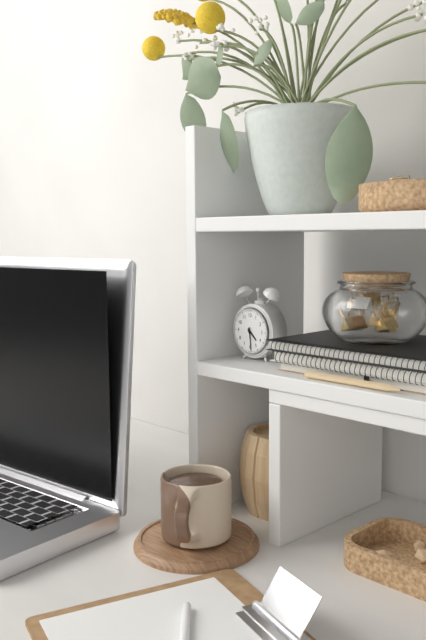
{"hour": 4, "minute": 29}
